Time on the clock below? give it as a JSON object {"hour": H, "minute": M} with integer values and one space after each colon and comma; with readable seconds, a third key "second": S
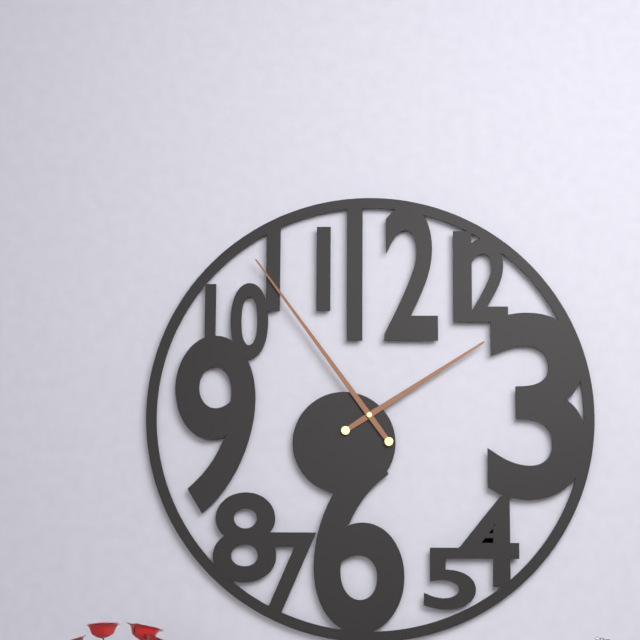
{"hour": 1, "minute": 54}
